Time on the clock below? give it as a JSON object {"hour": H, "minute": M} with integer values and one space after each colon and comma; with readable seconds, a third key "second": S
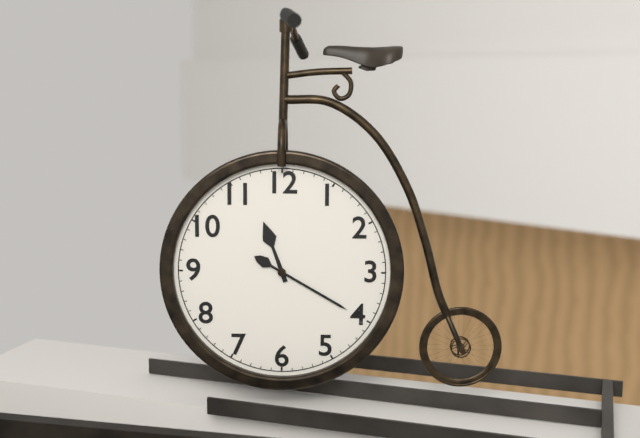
{"hour": 11, "minute": 20}
